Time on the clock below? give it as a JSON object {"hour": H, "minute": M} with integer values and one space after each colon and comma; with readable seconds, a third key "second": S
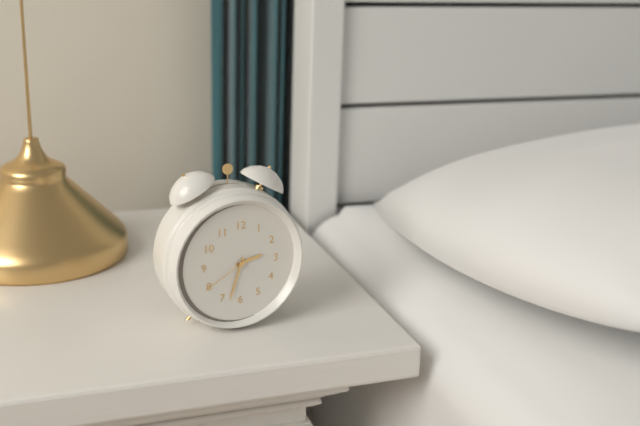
{"hour": 2, "minute": 33, "second": 40}
